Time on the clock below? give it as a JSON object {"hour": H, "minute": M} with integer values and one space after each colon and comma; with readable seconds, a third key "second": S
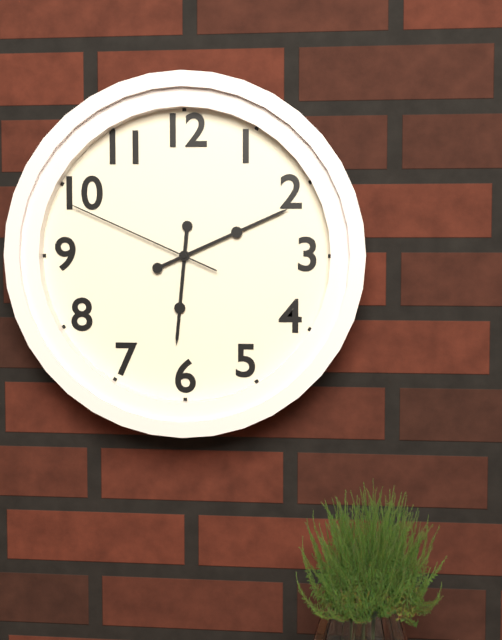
{"hour": 6, "minute": 11, "second": 49}
